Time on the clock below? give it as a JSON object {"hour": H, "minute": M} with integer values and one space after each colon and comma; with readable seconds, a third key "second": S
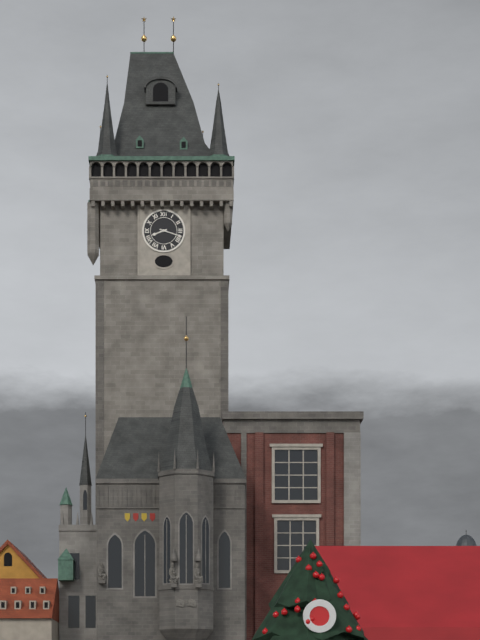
{"hour": 8, "minute": 18}
